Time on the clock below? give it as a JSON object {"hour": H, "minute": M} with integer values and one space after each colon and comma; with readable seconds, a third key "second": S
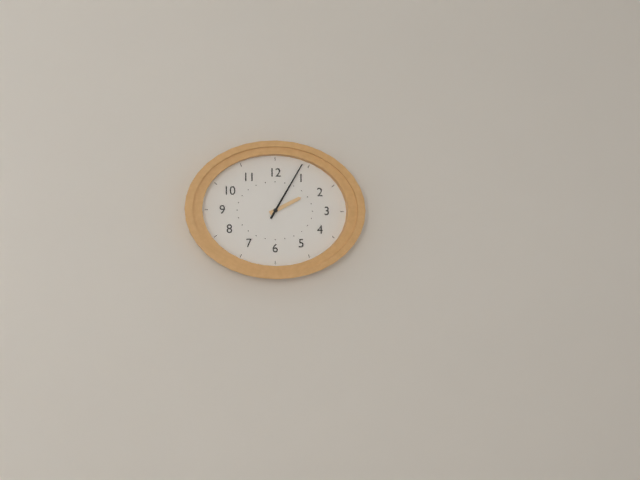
{"hour": 2, "minute": 5}
